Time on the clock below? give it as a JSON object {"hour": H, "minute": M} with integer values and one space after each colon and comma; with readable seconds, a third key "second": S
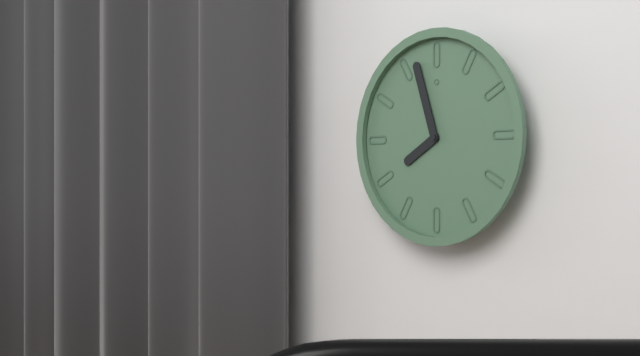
{"hour": 7, "minute": 57}
